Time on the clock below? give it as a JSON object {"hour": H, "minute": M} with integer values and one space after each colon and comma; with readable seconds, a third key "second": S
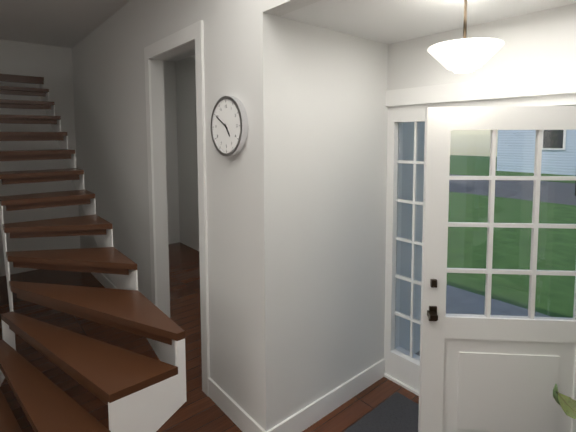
{"hour": 4, "minute": 50}
